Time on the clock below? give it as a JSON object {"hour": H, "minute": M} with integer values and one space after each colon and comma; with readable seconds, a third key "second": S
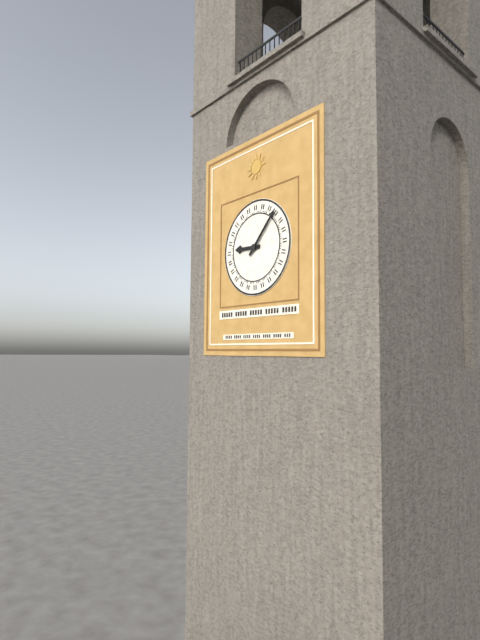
{"hour": 9, "minute": 7}
